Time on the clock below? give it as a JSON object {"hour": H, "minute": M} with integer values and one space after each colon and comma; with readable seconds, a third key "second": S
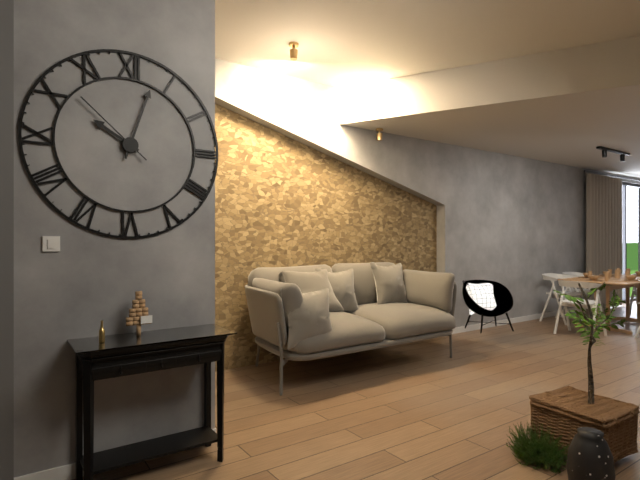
{"hour": 10, "minute": 3, "second": 52}
